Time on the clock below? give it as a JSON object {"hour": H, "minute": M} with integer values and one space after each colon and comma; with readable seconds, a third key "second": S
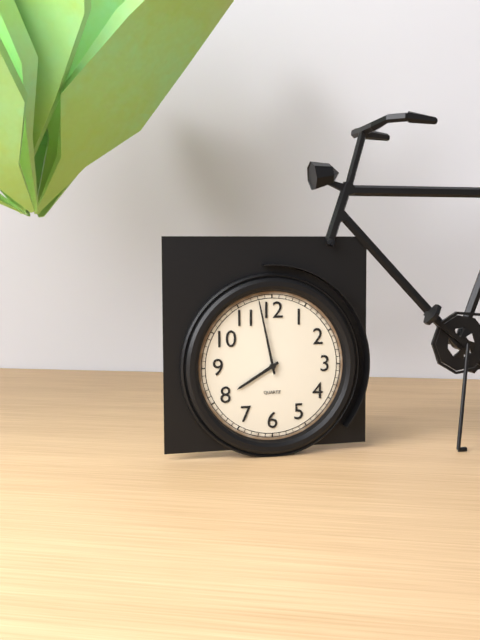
{"hour": 7, "minute": 58}
